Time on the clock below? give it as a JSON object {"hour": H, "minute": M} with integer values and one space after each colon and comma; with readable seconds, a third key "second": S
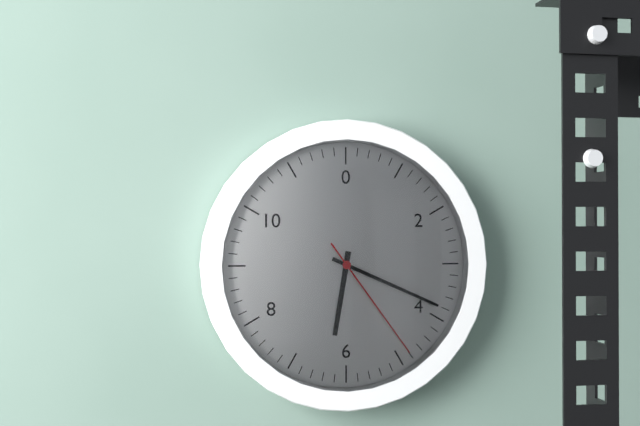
{"hour": 6, "minute": 19, "second": 24}
